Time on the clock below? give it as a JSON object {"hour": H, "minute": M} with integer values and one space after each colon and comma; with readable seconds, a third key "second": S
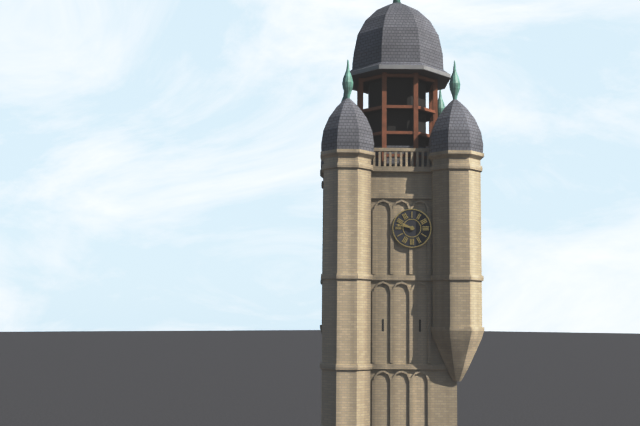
{"hour": 9, "minute": 47}
